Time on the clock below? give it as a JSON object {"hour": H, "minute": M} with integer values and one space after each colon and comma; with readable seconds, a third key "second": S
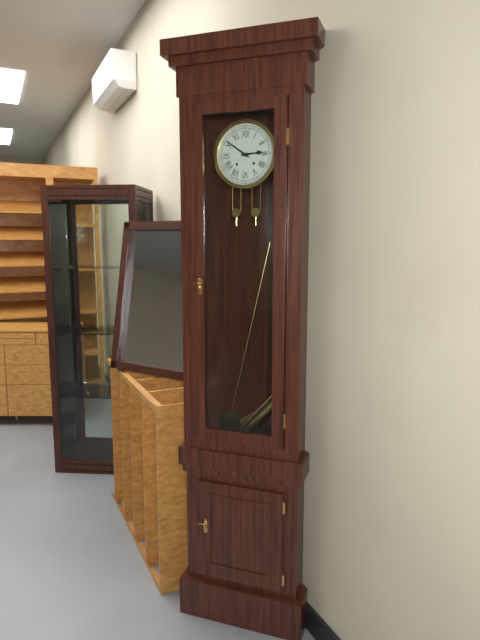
{"hour": 2, "minute": 51}
